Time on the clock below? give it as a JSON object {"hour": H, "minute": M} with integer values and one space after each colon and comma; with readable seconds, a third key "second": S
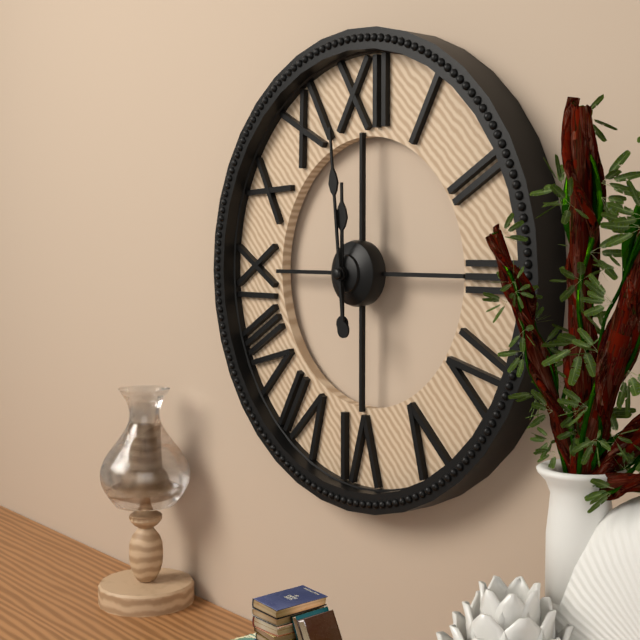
{"hour": 11, "minute": 59}
